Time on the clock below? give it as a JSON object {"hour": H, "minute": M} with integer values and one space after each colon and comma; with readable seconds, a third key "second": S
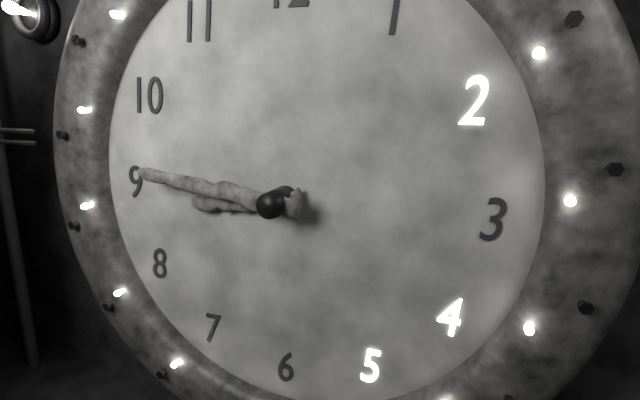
{"hour": 8, "minute": 46}
